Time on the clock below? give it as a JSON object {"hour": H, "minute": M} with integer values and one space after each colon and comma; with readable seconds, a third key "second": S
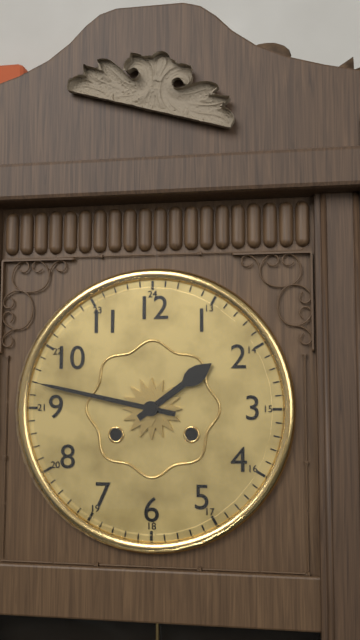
{"hour": 1, "minute": 47}
